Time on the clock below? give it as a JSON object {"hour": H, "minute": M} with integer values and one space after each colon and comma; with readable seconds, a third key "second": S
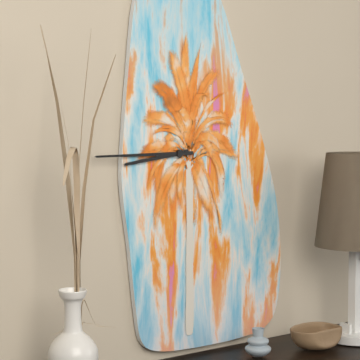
{"hour": 8, "minute": 45}
